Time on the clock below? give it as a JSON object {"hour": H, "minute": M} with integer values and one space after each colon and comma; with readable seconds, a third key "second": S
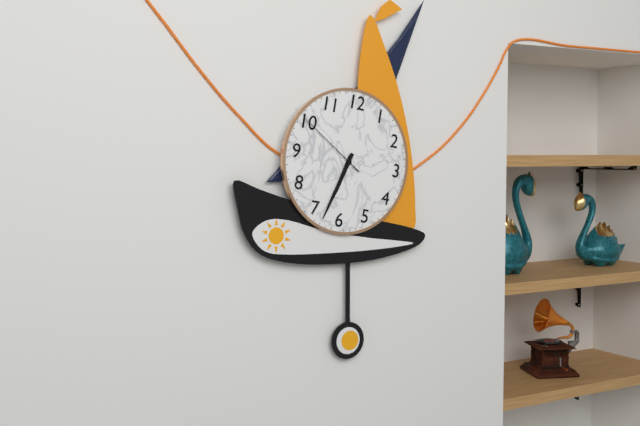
{"hour": 6, "minute": 33, "second": 50}
